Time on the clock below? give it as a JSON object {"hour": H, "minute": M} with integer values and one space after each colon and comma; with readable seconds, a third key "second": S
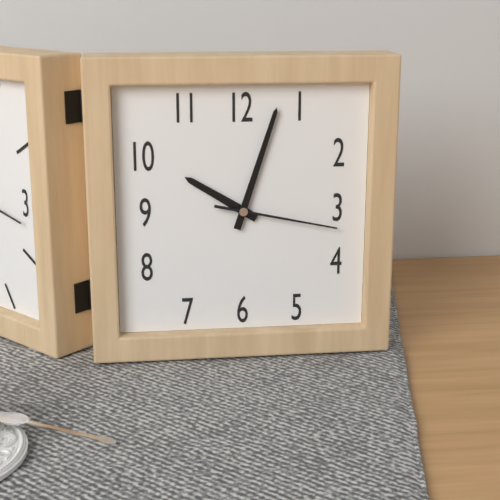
{"hour": 10, "minute": 3, "second": 17}
